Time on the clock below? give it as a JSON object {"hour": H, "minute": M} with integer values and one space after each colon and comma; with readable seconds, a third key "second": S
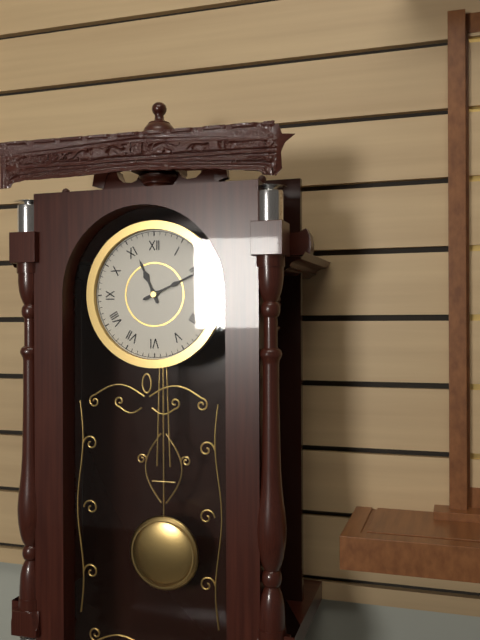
{"hour": 11, "minute": 11}
